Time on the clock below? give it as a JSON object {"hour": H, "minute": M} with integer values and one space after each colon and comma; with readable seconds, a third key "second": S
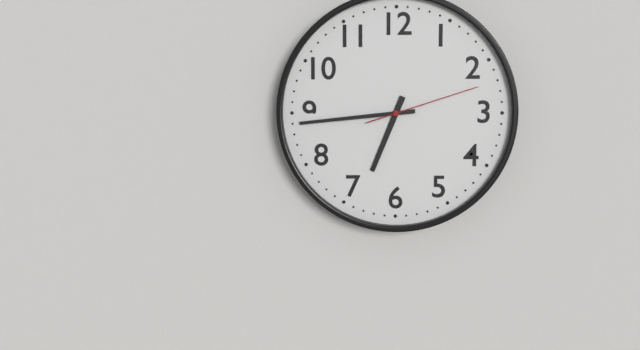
{"hour": 6, "minute": 44, "second": 12}
